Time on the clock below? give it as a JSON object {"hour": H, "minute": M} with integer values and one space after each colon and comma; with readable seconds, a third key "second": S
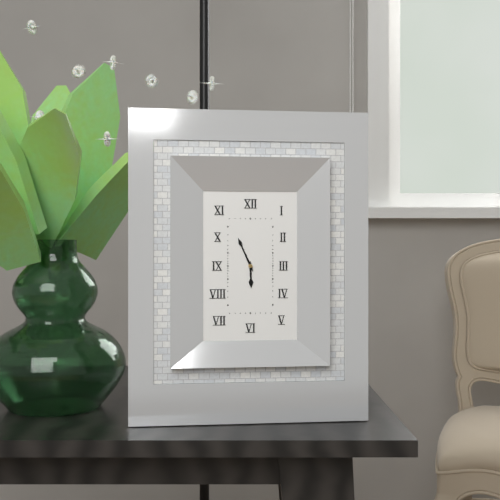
{"hour": 5, "minute": 56}
